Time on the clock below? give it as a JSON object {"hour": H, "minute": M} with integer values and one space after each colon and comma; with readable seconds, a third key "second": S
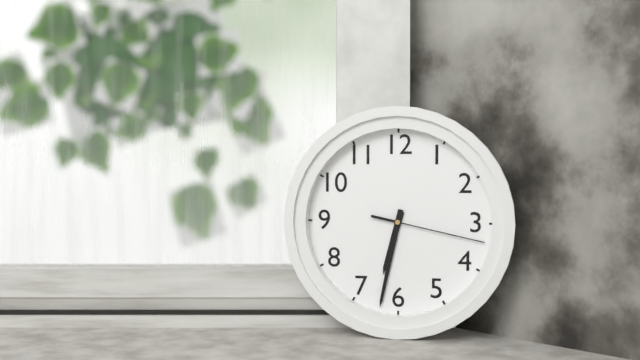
{"hour": 6, "minute": 32, "second": 17}
